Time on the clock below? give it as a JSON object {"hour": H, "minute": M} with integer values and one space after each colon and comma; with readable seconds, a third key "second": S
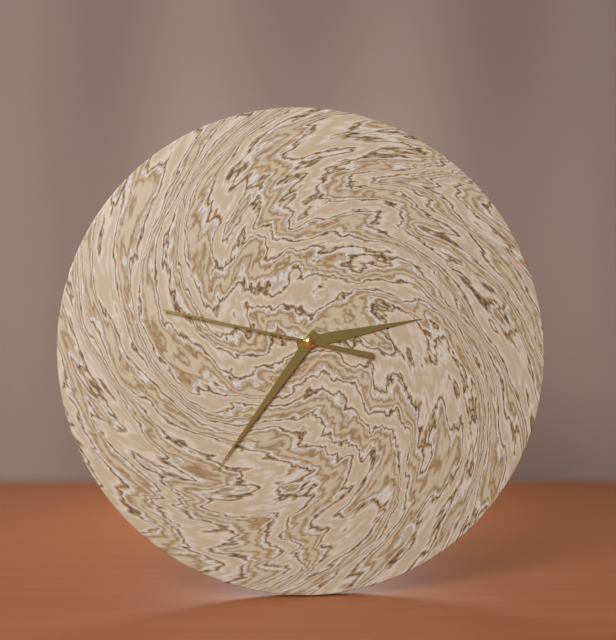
{"hour": 2, "minute": 36, "second": 47}
